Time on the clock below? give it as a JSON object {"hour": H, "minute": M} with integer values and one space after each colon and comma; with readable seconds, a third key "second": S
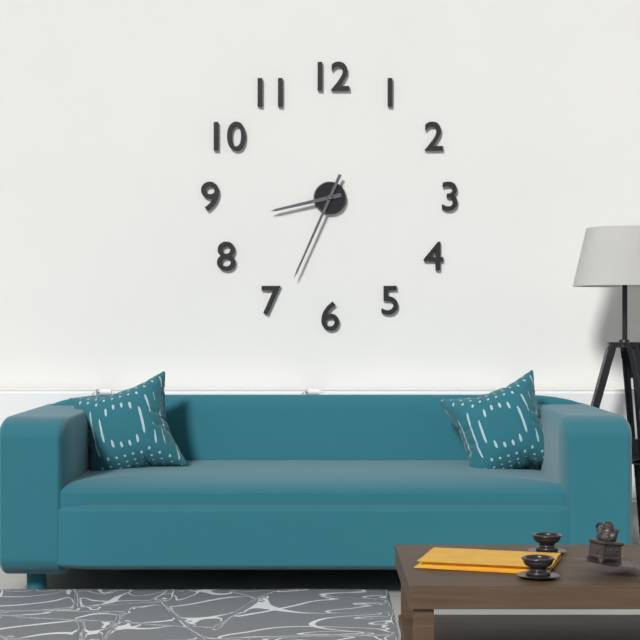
{"hour": 8, "minute": 34}
